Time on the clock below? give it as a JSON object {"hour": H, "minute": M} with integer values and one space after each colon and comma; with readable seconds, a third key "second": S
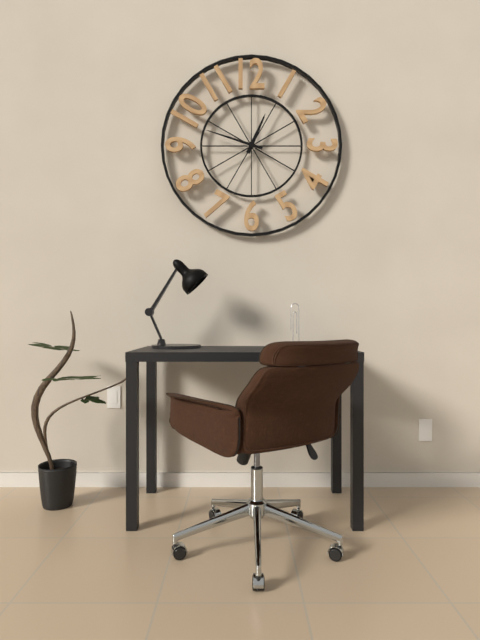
{"hour": 12, "minute": 48}
